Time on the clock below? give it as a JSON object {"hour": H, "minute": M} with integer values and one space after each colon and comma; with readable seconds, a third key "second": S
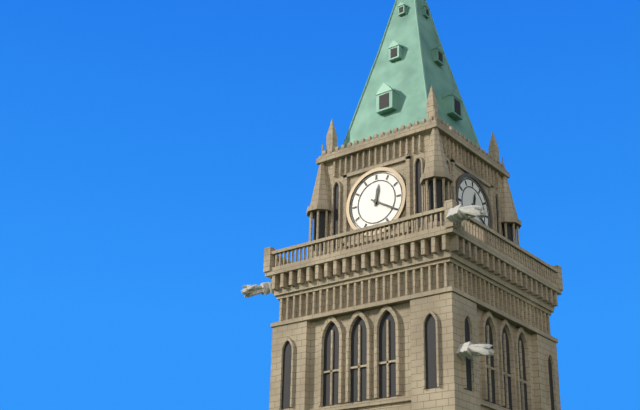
{"hour": 12, "minute": 20}
